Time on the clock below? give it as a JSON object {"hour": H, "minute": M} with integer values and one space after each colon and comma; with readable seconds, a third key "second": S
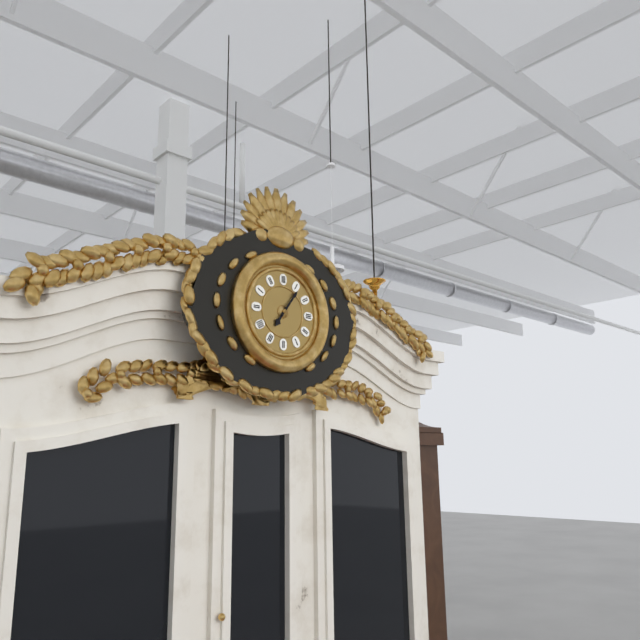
{"hour": 7, "minute": 6}
